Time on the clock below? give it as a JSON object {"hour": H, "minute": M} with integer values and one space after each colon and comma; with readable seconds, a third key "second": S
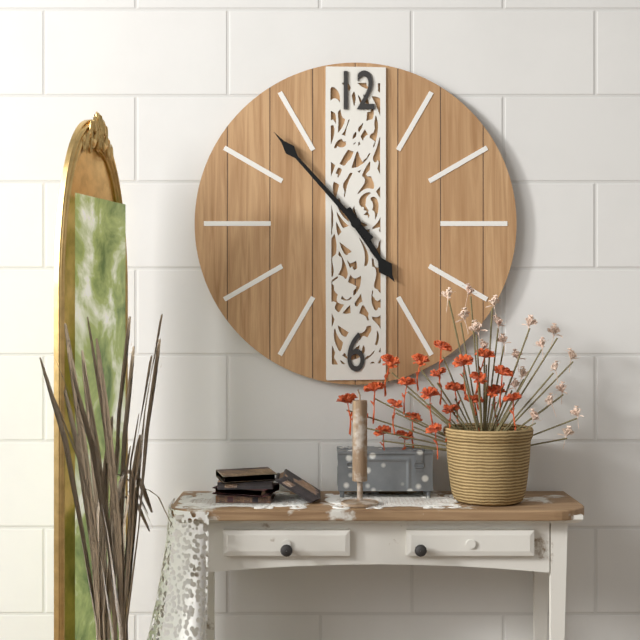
{"hour": 4, "minute": 53}
